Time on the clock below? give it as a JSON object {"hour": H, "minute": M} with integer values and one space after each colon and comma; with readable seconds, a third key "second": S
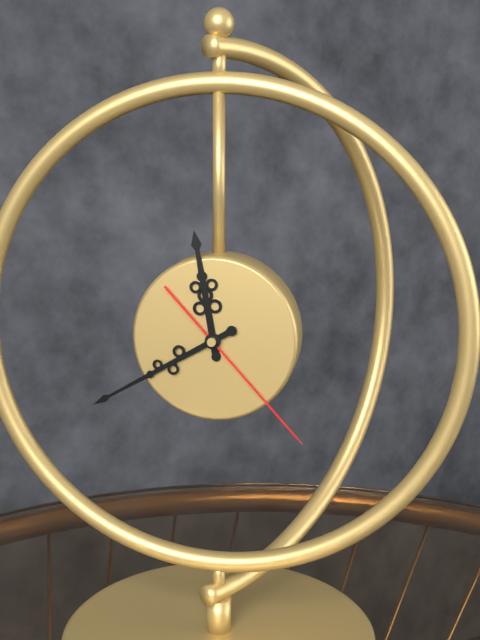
{"hour": 11, "minute": 40, "second": 23}
